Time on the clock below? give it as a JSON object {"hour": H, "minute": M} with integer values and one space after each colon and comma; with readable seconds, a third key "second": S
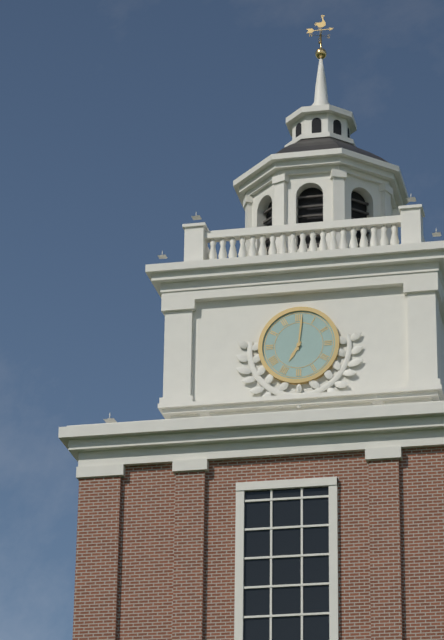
{"hour": 7, "minute": 1}
